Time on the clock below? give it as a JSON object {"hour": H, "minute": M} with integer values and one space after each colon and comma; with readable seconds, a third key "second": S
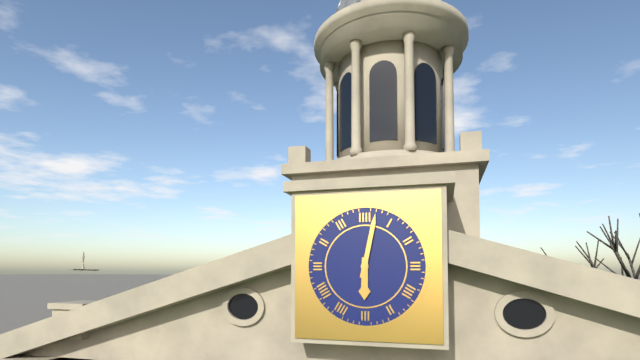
{"hour": 6, "minute": 2}
